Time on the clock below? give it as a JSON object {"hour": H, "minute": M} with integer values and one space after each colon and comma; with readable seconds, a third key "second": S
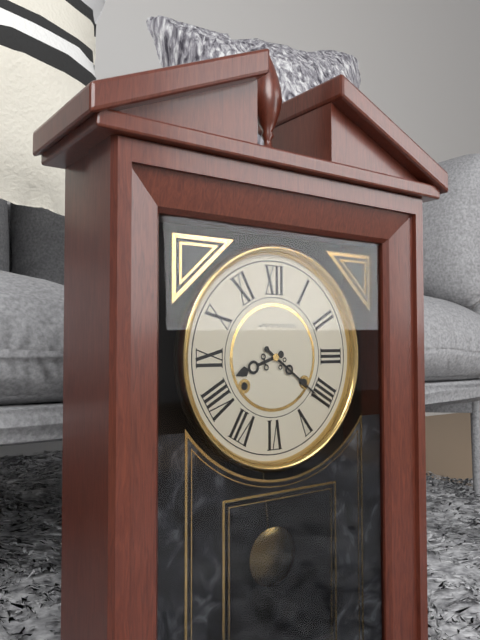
{"hour": 8, "minute": 21}
